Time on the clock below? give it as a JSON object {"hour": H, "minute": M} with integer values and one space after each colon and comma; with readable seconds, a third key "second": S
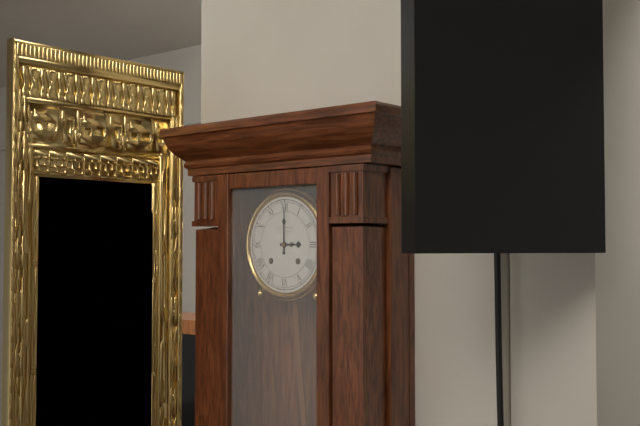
{"hour": 3, "minute": 0}
